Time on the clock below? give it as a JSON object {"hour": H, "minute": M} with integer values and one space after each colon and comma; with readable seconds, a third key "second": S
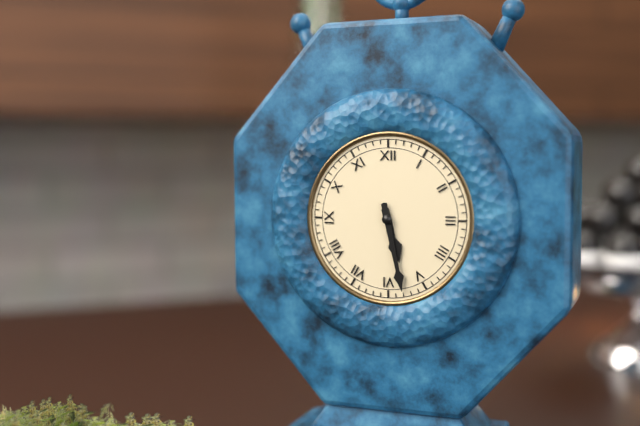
{"hour": 5, "minute": 28}
